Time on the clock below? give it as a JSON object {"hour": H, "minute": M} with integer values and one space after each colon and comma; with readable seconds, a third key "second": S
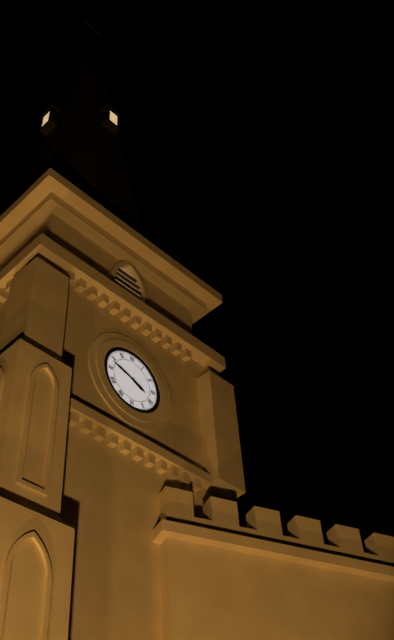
{"hour": 3, "minute": 48}
